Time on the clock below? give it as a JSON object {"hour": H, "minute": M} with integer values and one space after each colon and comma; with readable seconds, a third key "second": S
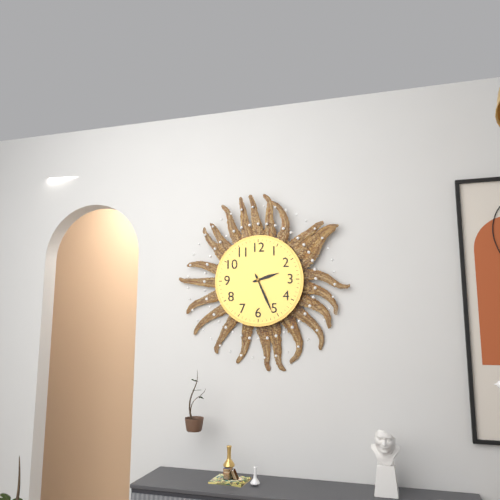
{"hour": 2, "minute": 26}
